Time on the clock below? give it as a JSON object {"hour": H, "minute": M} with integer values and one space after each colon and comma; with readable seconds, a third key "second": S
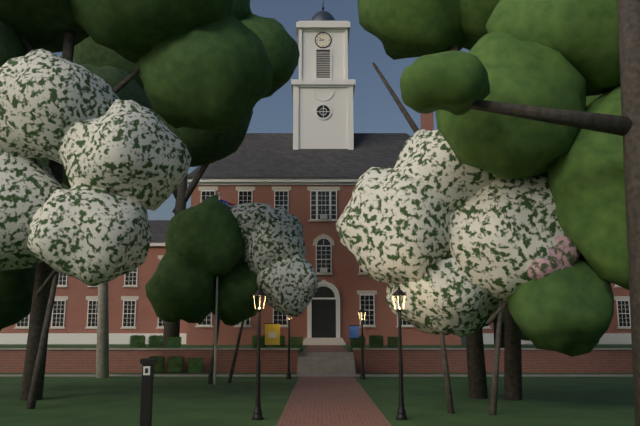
{"hour": 8, "minute": 50}
